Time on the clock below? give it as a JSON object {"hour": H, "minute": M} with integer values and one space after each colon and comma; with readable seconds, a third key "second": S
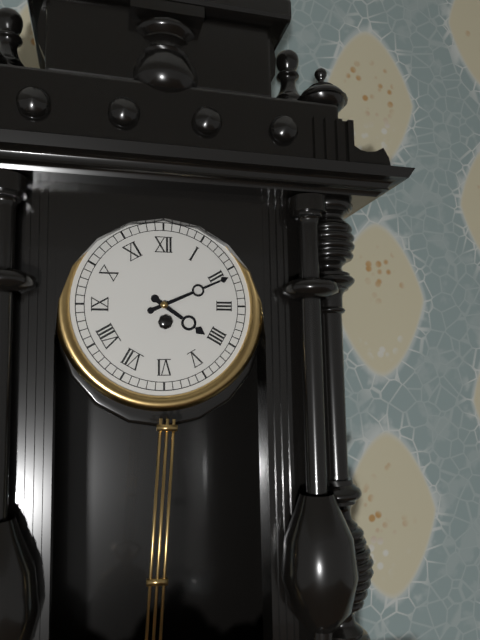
{"hour": 4, "minute": 11}
